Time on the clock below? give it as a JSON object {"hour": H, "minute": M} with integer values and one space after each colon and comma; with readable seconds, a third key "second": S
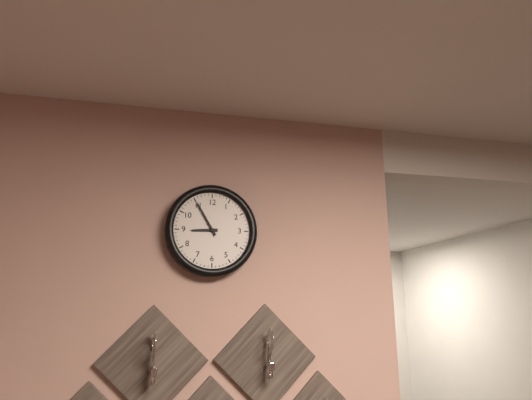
{"hour": 8, "minute": 55}
